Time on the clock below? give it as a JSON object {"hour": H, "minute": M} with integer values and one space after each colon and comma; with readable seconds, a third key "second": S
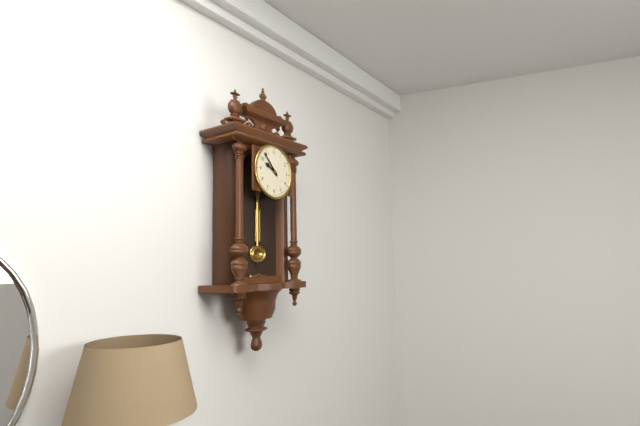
{"hour": 9, "minute": 53}
